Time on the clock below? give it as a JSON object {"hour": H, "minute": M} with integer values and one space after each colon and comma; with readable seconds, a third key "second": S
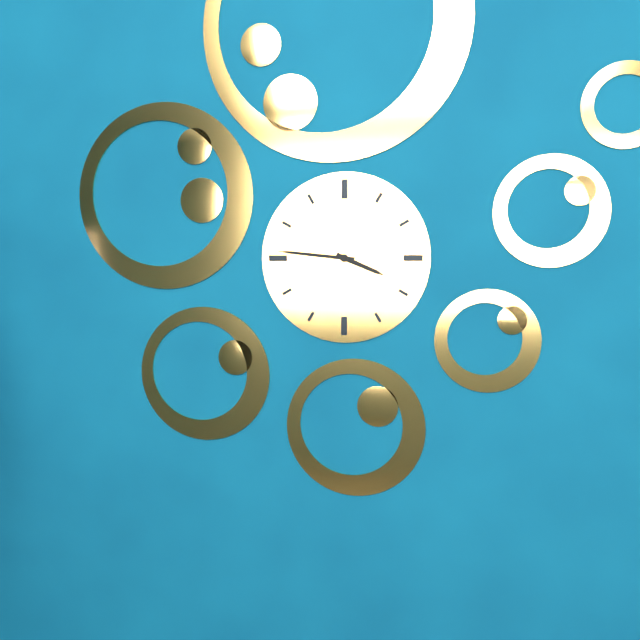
{"hour": 3, "minute": 46}
